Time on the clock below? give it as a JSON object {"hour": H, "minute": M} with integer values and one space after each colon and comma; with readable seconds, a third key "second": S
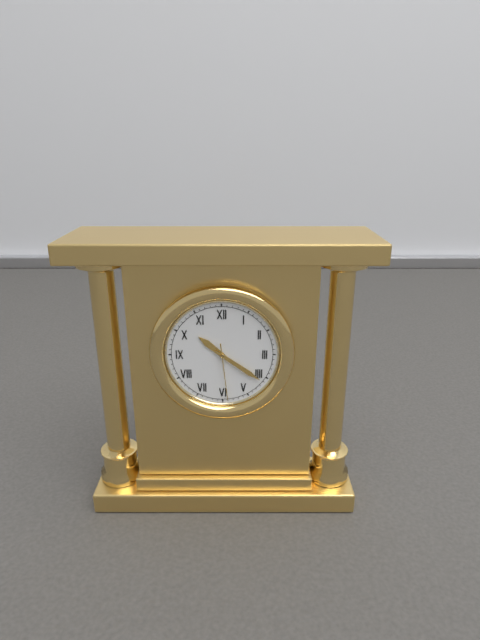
{"hour": 10, "minute": 21, "second": 29}
